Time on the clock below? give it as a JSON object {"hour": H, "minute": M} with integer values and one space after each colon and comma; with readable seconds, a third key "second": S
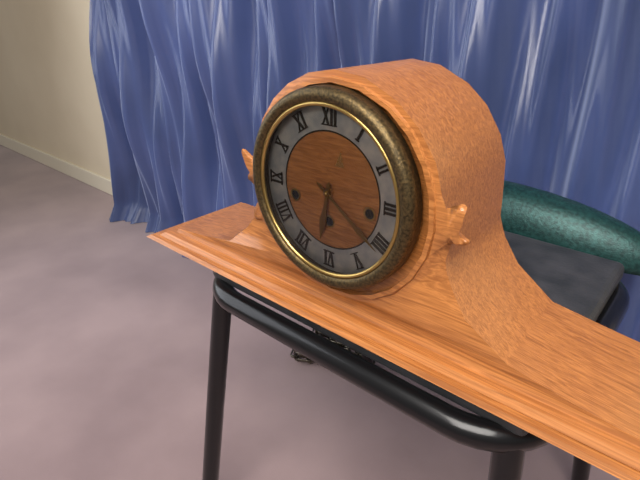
{"hour": 6, "minute": 21}
